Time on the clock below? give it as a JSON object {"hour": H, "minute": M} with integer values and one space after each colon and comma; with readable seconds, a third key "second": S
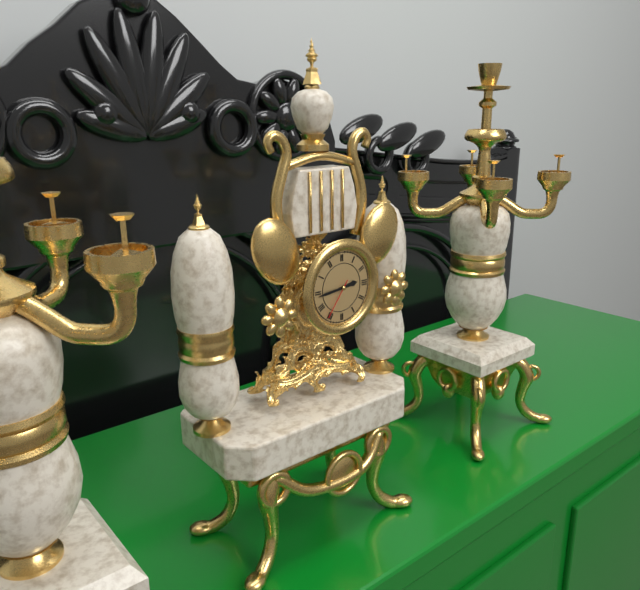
{"hour": 2, "minute": 44}
